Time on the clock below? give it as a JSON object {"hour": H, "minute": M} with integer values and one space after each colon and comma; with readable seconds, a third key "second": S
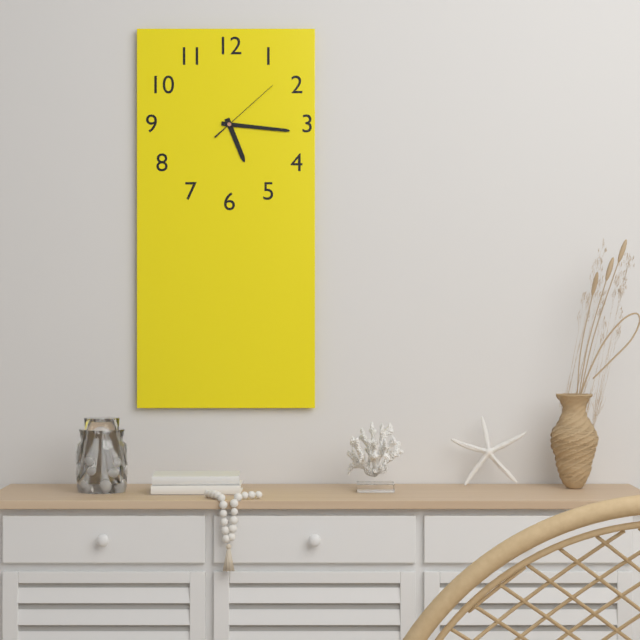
{"hour": 5, "minute": 16, "second": 8}
